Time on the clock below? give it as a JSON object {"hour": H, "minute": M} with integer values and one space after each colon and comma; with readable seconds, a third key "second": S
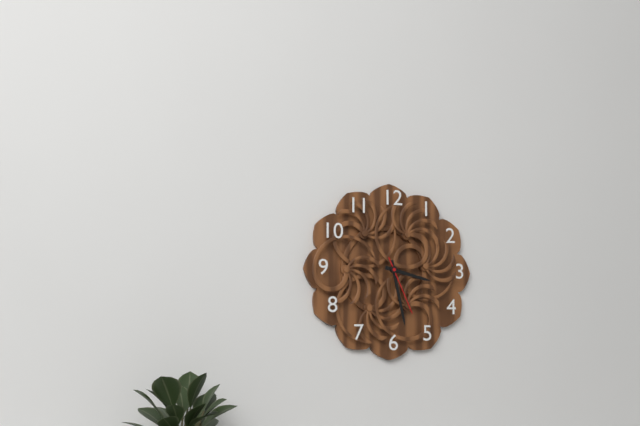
{"hour": 3, "minute": 28, "second": 26}
